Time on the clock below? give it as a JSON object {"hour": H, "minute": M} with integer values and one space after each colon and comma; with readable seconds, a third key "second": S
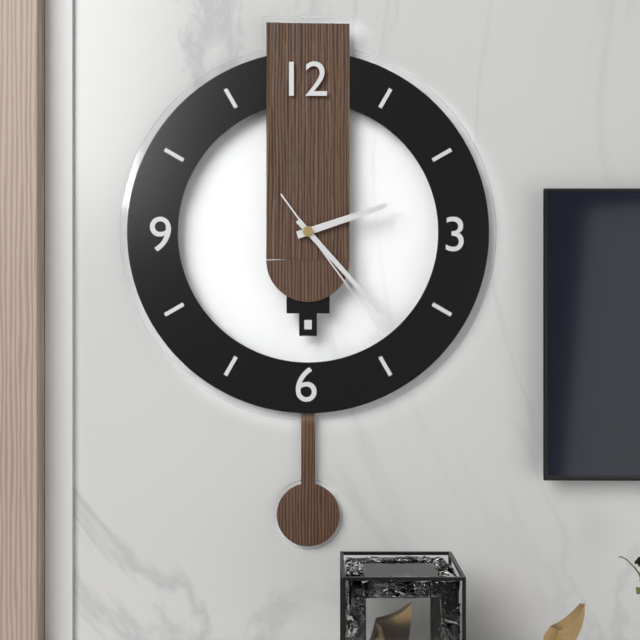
{"hour": 2, "minute": 23, "second": 24}
